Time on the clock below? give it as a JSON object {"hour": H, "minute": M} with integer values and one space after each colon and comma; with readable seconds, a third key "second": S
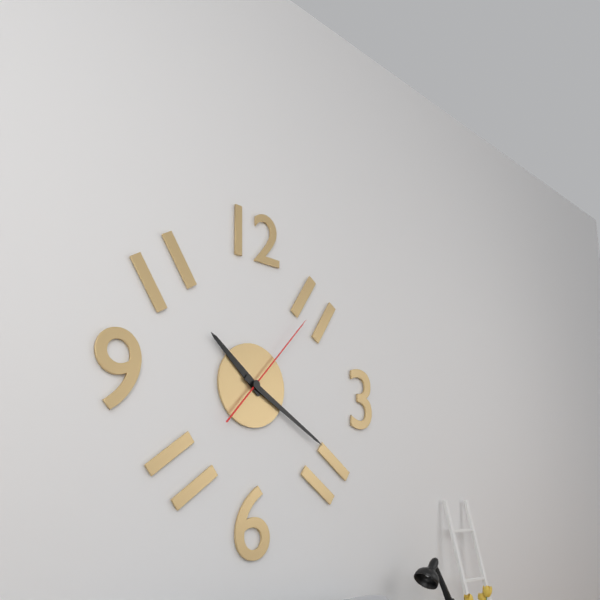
{"hour": 10, "minute": 20, "second": 7}
